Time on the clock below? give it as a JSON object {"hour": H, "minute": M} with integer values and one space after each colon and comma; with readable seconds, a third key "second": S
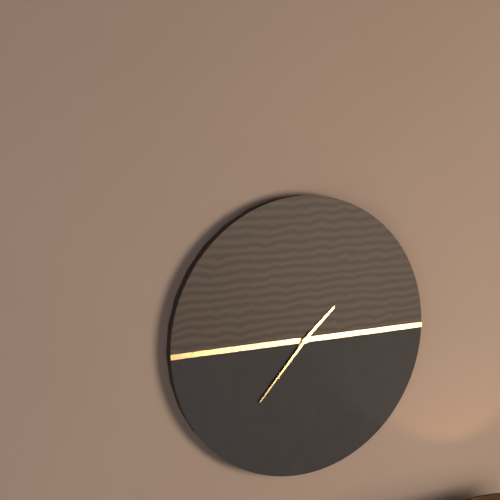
{"hour": 1, "minute": 37}
